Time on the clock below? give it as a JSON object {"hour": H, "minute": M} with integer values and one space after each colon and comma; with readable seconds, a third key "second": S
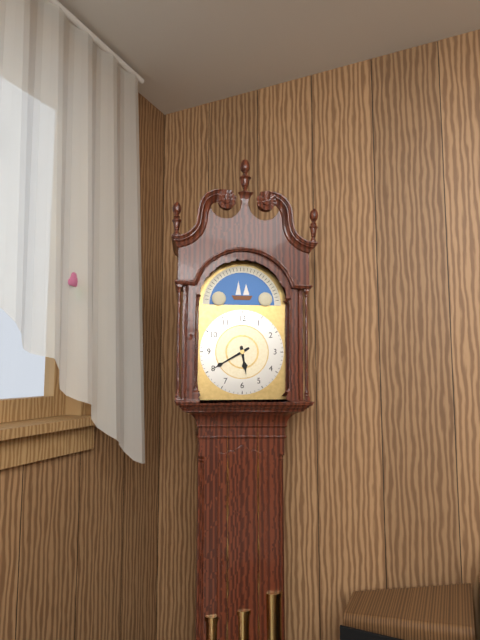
{"hour": 5, "minute": 40}
